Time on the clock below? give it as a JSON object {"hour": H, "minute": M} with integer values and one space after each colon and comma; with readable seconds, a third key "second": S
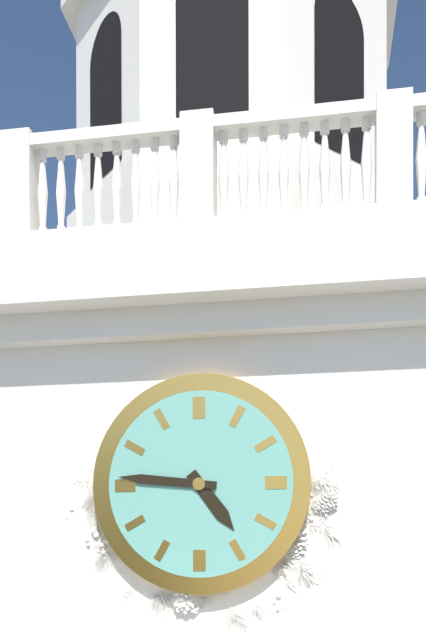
{"hour": 4, "minute": 46}
